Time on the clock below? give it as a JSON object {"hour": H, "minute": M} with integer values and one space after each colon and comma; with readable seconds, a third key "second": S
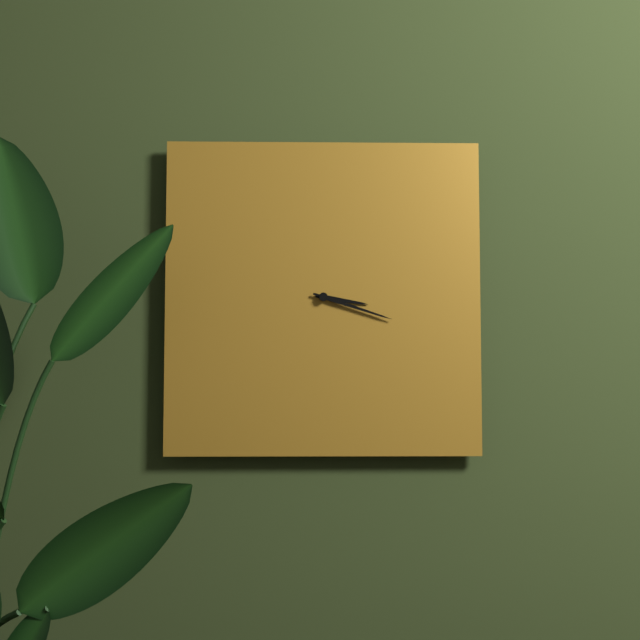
{"hour": 3, "minute": 18}
